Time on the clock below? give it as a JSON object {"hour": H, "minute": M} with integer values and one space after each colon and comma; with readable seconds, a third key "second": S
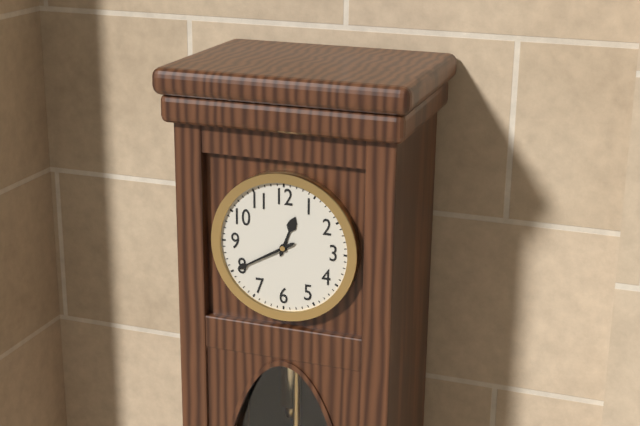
{"hour": 12, "minute": 40}
